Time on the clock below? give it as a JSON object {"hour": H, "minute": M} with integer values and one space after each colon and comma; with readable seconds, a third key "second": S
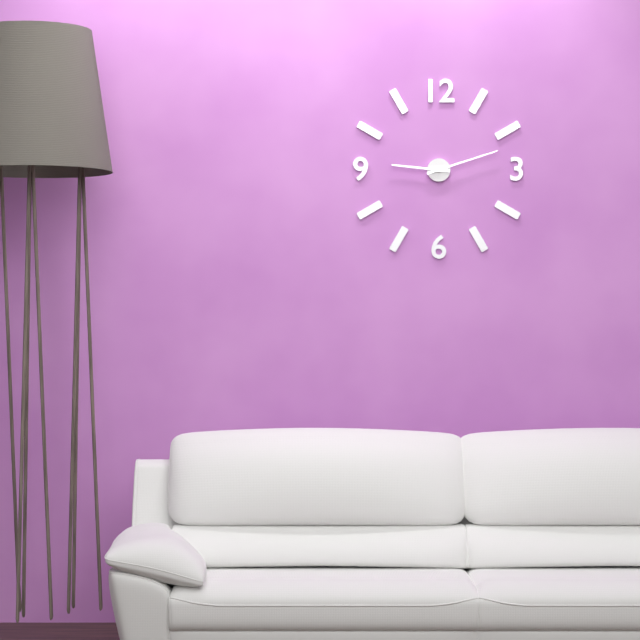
{"hour": 9, "minute": 12}
